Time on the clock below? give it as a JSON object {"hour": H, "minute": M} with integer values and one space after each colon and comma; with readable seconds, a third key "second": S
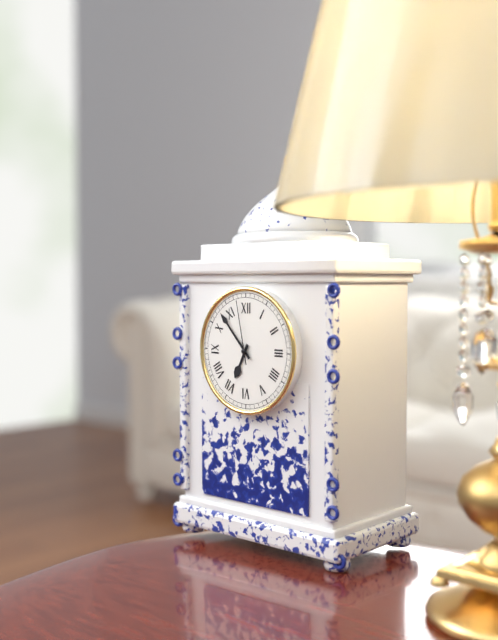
{"hour": 6, "minute": 53, "second": 58}
